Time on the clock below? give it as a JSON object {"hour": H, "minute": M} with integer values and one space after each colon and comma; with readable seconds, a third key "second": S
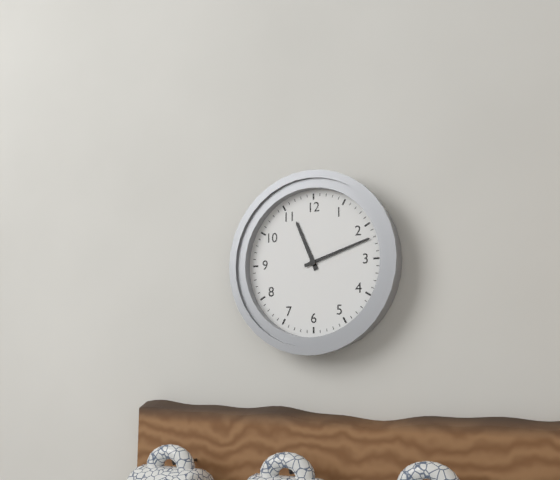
{"hour": 11, "minute": 12}
